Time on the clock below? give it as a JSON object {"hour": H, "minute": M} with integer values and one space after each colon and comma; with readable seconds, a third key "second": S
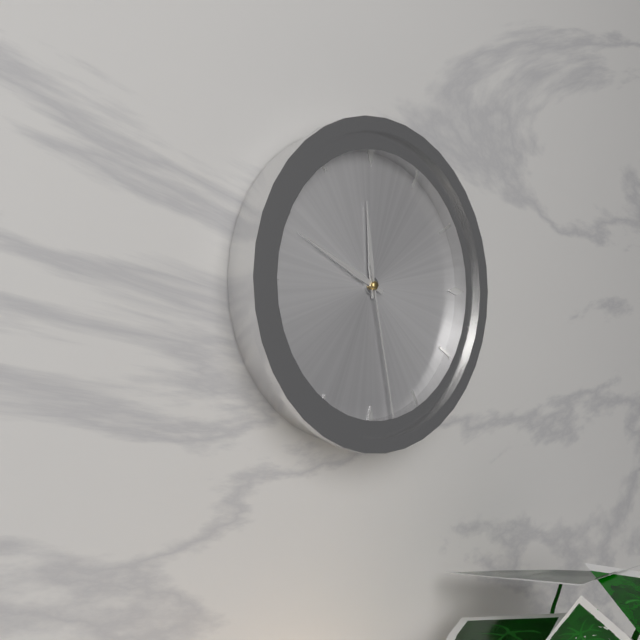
{"hour": 11, "minute": 49, "second": 28}
